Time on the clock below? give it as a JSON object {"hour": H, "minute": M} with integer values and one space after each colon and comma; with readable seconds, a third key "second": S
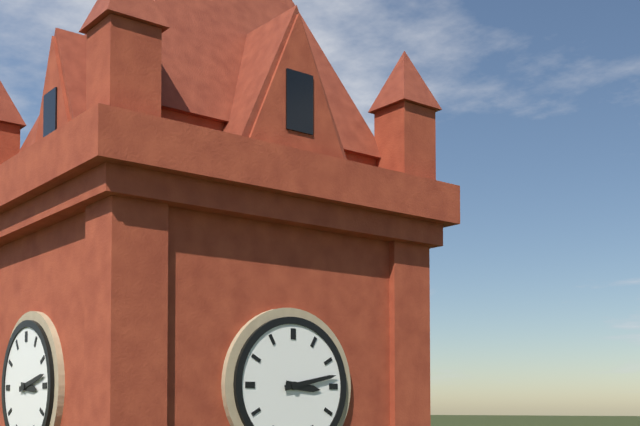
{"hour": 3, "minute": 13}
